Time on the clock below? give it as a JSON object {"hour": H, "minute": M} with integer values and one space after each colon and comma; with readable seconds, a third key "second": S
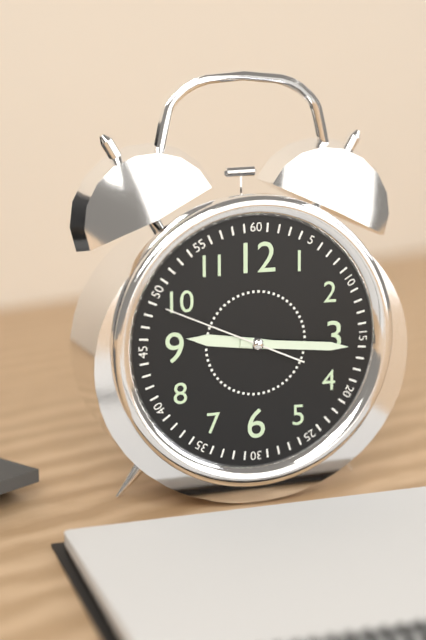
{"hour": 9, "minute": 16, "second": 49}
